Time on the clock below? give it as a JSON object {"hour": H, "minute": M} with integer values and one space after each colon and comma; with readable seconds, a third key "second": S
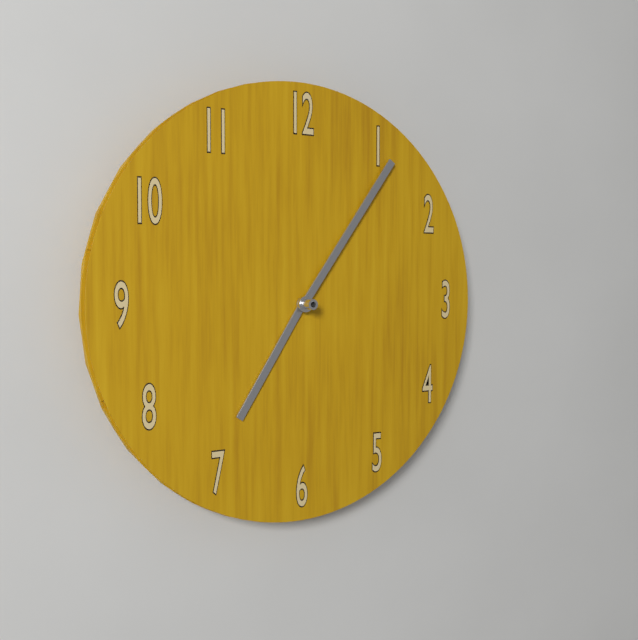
{"hour": 7, "minute": 6}
